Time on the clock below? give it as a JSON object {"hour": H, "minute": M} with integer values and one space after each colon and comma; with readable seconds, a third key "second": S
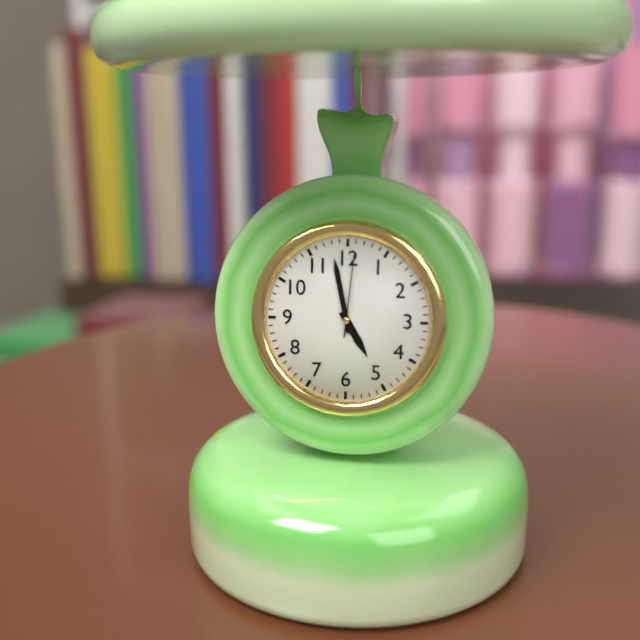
{"hour": 4, "minute": 58, "second": 1}
